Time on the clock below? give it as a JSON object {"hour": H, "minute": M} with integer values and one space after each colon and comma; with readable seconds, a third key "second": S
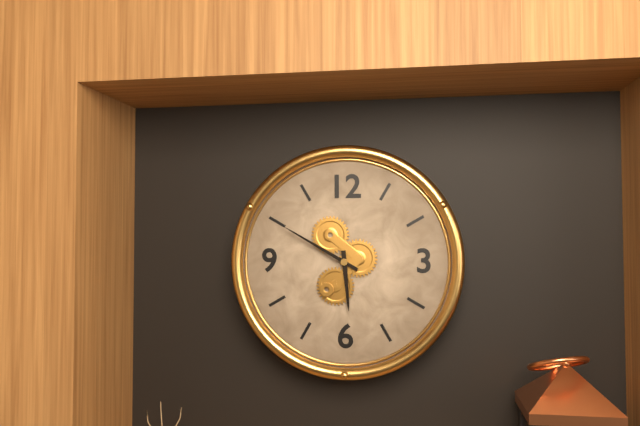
{"hour": 5, "minute": 50}
